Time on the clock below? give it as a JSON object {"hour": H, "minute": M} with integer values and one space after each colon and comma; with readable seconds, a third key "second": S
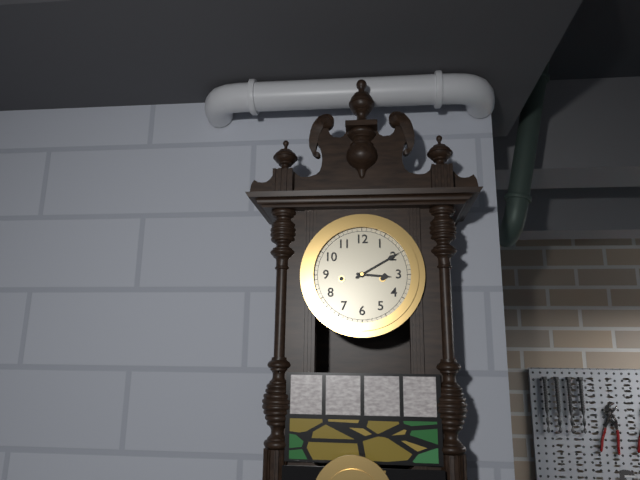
{"hour": 3, "minute": 10}
